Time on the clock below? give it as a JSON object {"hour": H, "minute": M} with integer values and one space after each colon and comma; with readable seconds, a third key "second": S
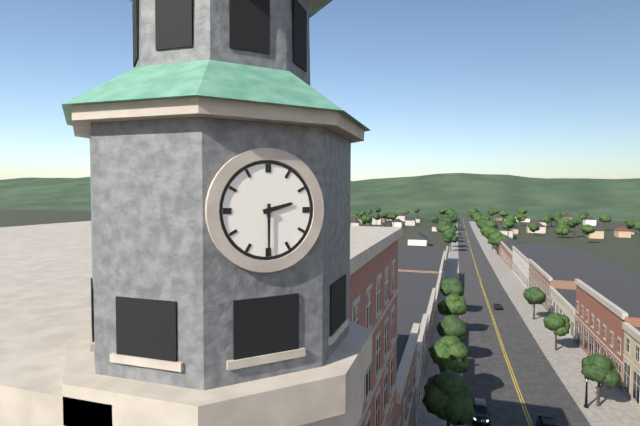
{"hour": 2, "minute": 30}
